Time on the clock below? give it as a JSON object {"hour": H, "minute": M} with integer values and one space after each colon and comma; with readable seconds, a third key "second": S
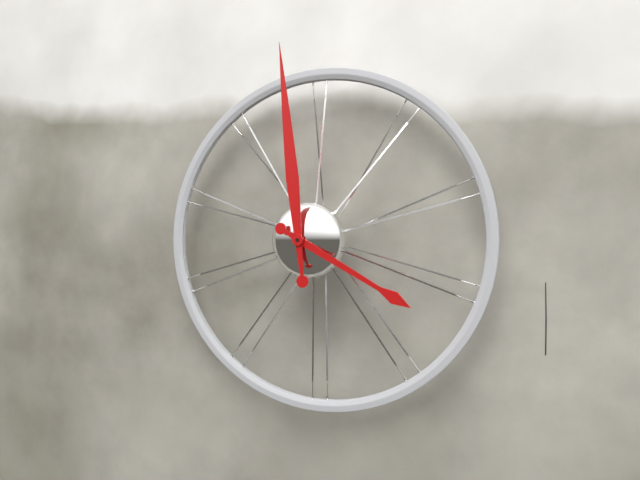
{"hour": 3, "minute": 59}
